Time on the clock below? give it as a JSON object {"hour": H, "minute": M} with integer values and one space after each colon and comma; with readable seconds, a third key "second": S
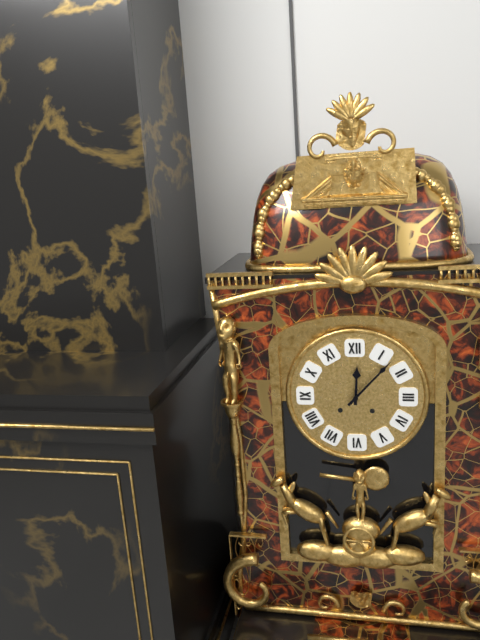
{"hour": 12, "minute": 7}
